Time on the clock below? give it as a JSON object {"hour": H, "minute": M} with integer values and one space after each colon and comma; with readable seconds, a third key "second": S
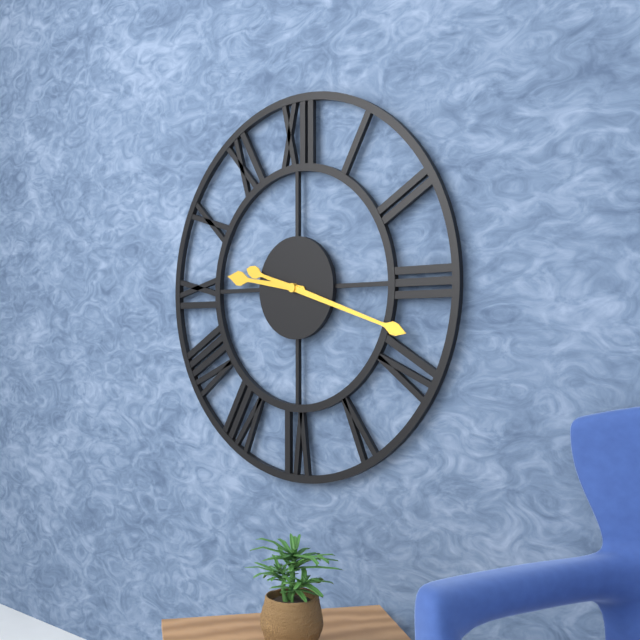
{"hour": 9, "minute": 18}
